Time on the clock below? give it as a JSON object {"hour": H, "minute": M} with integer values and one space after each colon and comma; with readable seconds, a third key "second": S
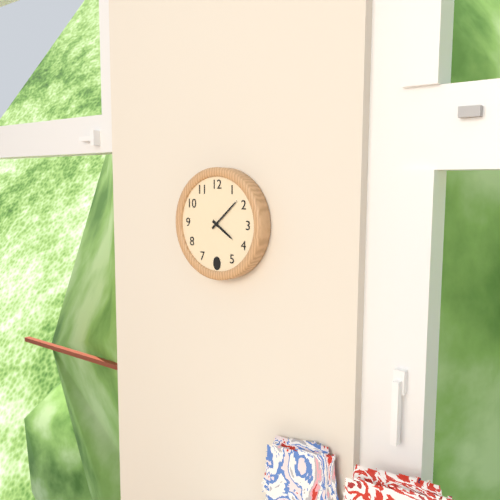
{"hour": 4, "minute": 8}
